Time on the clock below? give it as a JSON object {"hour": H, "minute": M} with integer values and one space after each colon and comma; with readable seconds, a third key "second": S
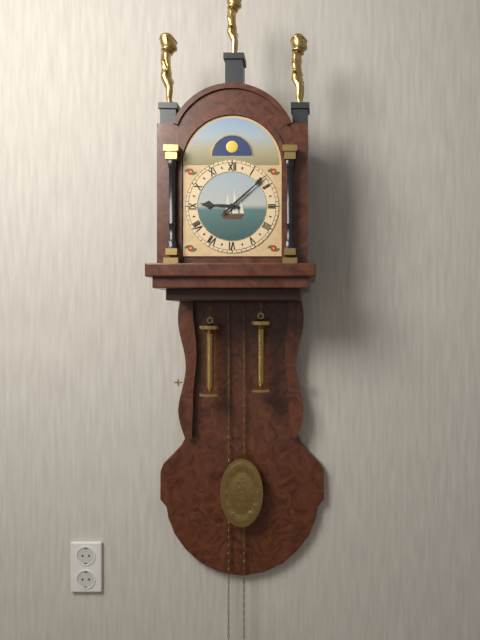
{"hour": 9, "minute": 8}
